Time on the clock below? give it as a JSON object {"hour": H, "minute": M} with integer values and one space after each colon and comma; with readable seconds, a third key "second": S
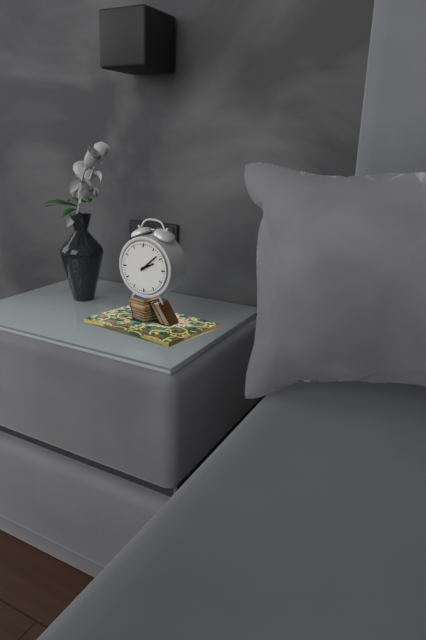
{"hour": 2, "minute": 8}
